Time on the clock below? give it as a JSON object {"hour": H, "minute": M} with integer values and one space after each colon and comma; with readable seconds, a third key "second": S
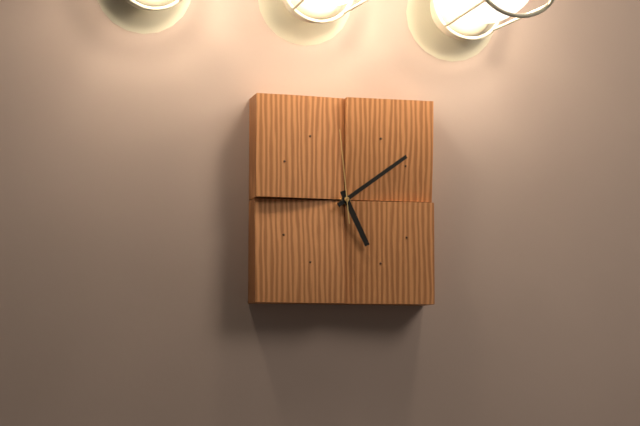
{"hour": 5, "minute": 9, "second": 59}
